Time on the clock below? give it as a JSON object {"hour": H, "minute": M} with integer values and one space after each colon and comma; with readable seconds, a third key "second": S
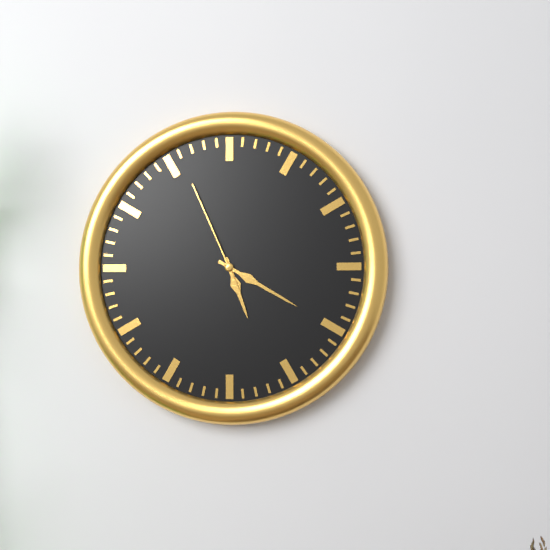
{"hour": 5, "minute": 20, "second": 56}
